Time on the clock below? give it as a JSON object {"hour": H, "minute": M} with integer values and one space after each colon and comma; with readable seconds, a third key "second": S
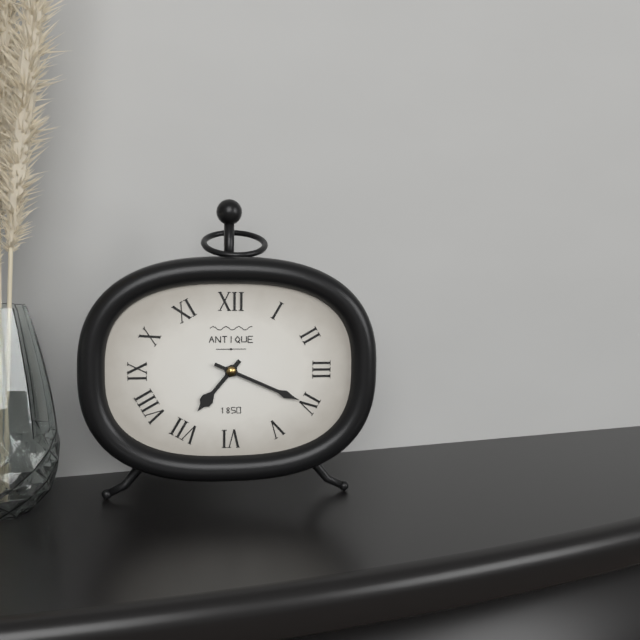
{"hour": 7, "minute": 19}
